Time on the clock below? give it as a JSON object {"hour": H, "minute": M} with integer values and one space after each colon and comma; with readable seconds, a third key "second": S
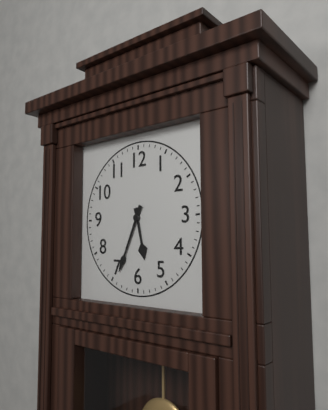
{"hour": 5, "minute": 34}
